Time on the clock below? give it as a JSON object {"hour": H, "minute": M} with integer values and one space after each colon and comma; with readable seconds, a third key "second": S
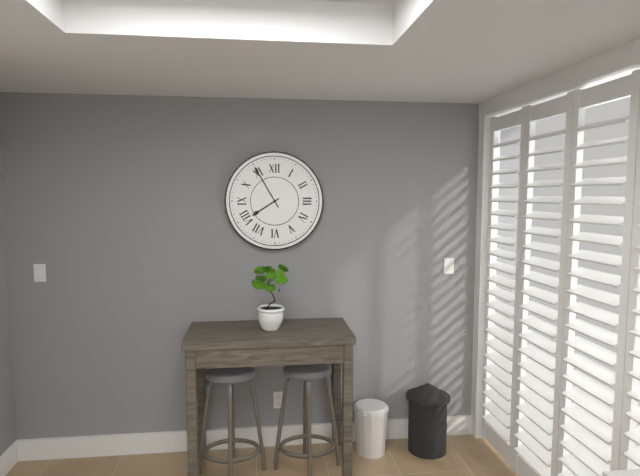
{"hour": 7, "minute": 55}
